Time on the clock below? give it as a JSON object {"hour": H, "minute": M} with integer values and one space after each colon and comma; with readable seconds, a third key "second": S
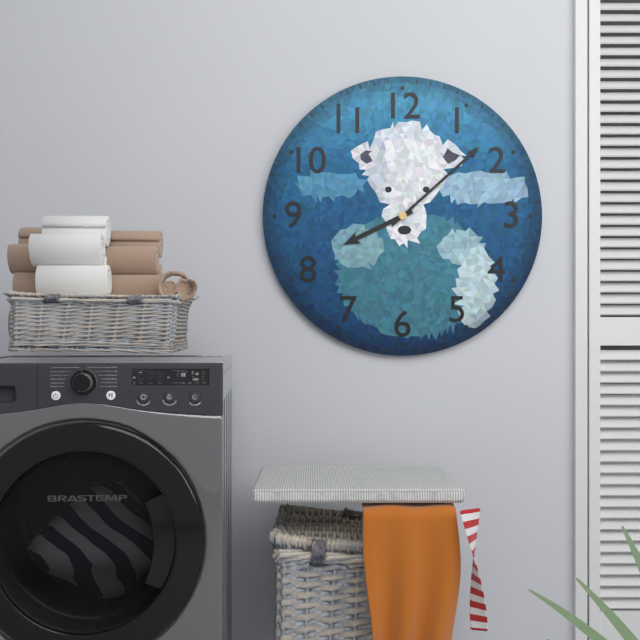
{"hour": 8, "minute": 8}
